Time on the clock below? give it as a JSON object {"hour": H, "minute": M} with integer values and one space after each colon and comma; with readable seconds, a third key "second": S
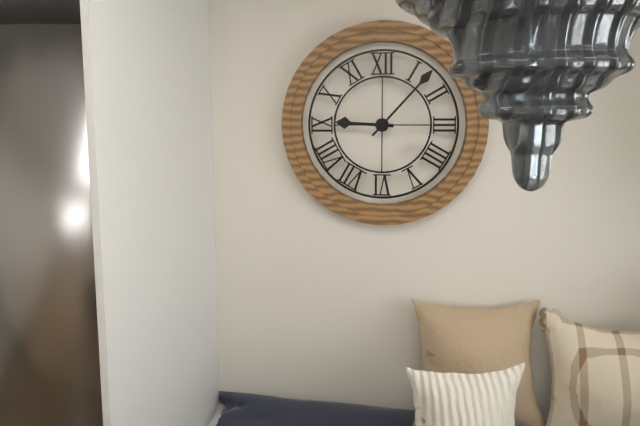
{"hour": 9, "minute": 7}
